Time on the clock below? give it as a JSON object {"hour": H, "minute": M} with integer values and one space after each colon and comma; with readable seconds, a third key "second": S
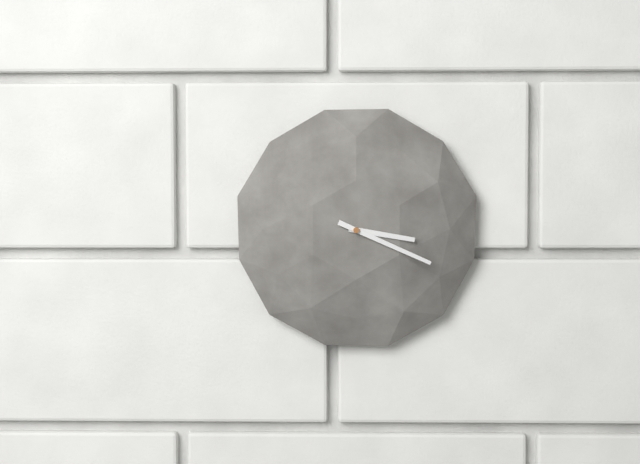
{"hour": 3, "minute": 19}
